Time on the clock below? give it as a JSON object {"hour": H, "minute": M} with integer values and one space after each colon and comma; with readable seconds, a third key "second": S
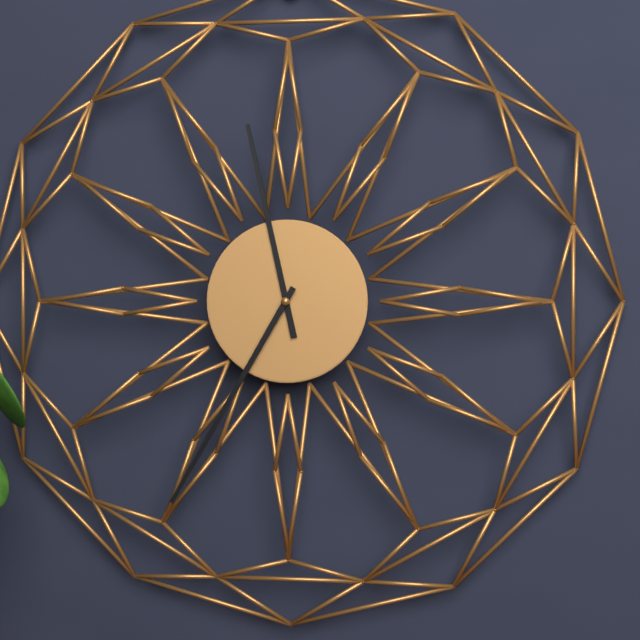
{"hour": 11, "minute": 35}
